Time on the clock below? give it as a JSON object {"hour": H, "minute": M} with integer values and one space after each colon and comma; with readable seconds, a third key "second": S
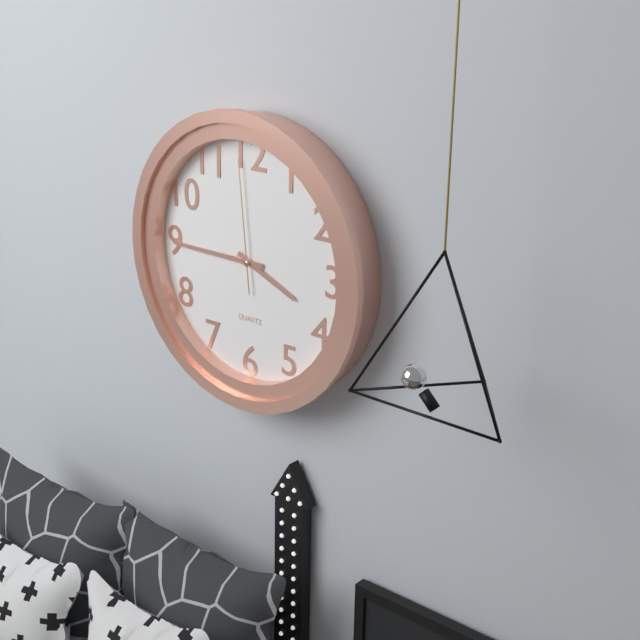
{"hour": 3, "minute": 45, "second": 59}
